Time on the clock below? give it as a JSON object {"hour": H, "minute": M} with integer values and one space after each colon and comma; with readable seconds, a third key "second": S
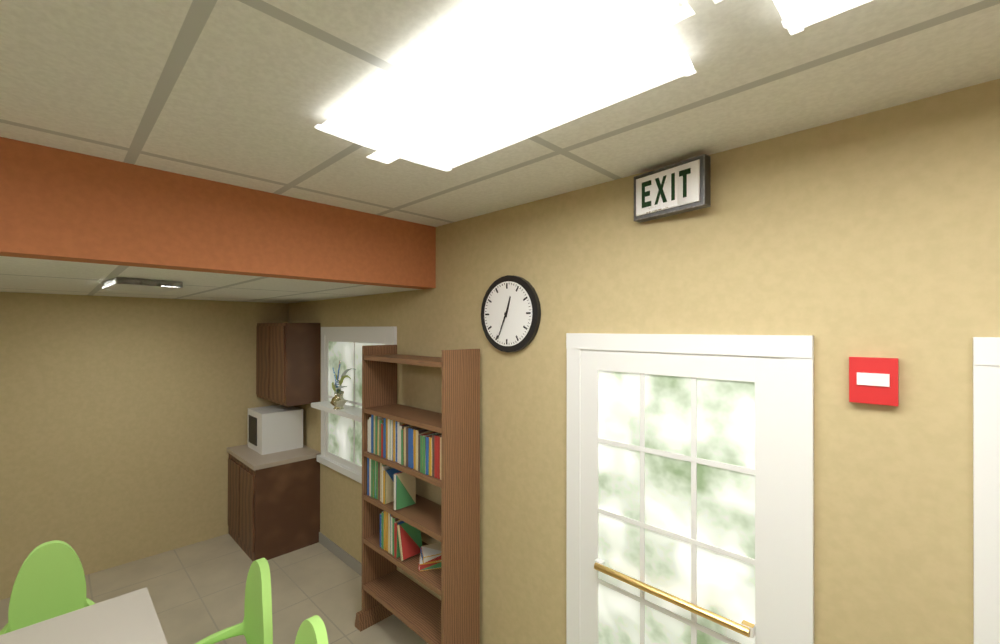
{"hour": 12, "minute": 34}
